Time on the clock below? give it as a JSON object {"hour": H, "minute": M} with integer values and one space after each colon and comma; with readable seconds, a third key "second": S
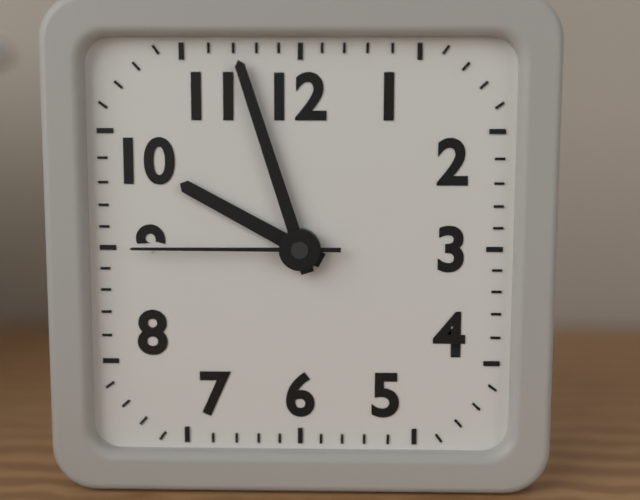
{"hour": 9, "minute": 57, "second": 45}
